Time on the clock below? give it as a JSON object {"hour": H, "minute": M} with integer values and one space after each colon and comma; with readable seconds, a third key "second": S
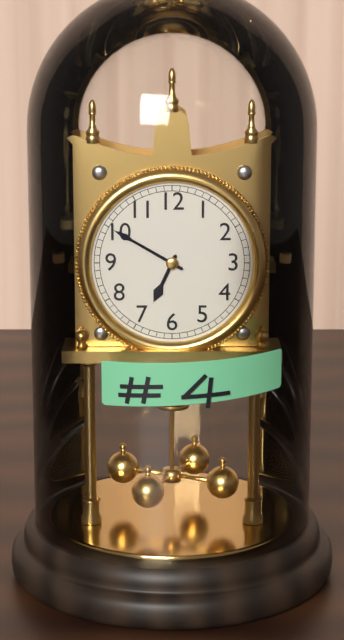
{"hour": 6, "minute": 50}
